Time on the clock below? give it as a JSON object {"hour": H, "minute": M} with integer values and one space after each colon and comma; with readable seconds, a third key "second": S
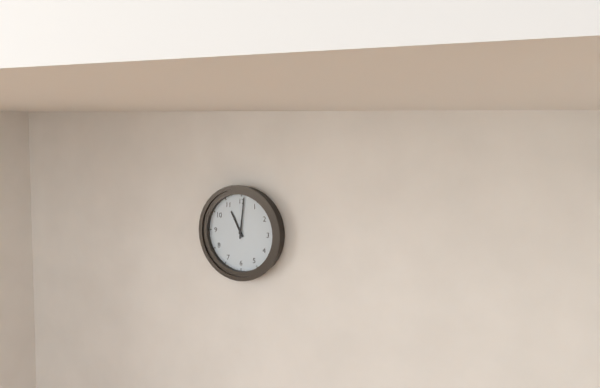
{"hour": 11, "minute": 1}
